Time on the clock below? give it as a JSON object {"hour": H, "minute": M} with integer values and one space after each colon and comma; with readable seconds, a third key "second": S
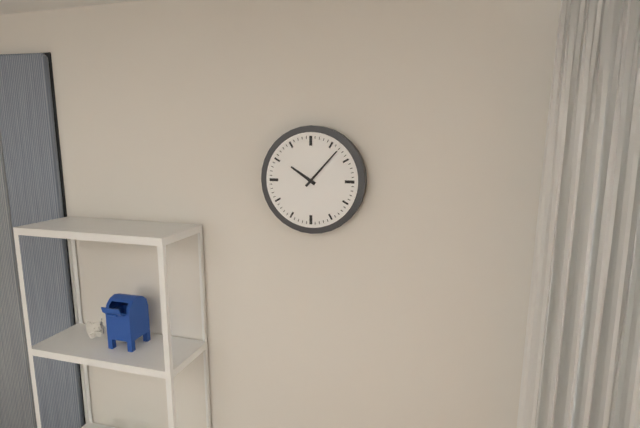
{"hour": 10, "minute": 7}
